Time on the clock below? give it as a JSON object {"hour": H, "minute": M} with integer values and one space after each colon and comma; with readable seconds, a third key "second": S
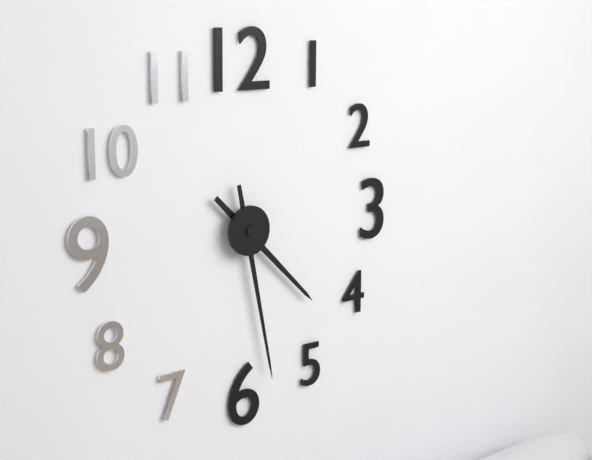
{"hour": 4, "minute": 28}
